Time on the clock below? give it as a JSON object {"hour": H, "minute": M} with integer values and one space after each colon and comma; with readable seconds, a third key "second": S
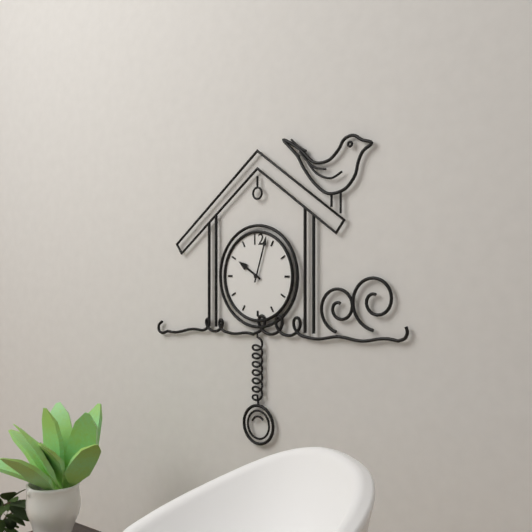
{"hour": 10, "minute": 3}
